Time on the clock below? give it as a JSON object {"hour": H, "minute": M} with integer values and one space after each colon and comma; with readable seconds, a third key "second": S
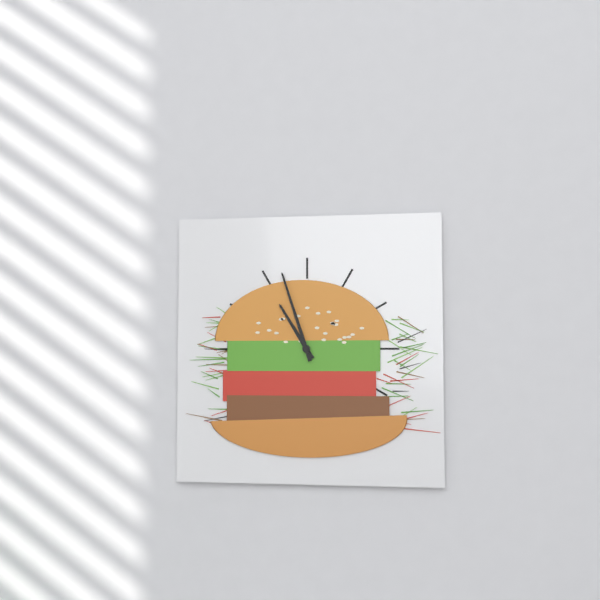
{"hour": 10, "minute": 57}
